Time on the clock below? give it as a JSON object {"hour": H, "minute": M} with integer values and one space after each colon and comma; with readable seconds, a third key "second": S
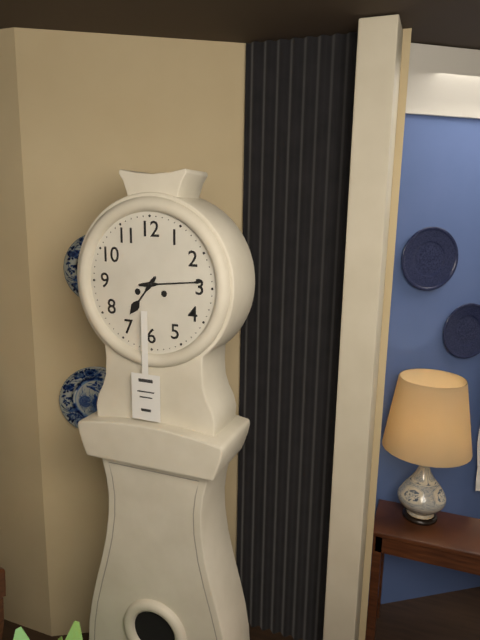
{"hour": 7, "minute": 14}
